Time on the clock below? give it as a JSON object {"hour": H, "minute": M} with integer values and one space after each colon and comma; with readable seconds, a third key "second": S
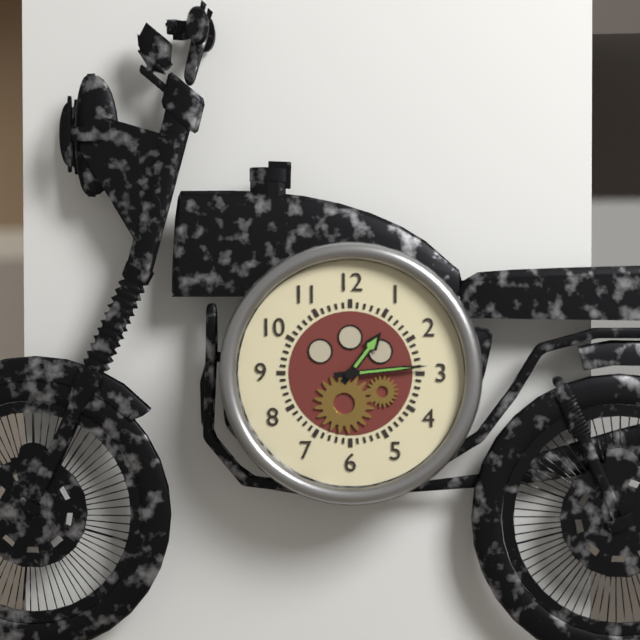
{"hour": 1, "minute": 14}
